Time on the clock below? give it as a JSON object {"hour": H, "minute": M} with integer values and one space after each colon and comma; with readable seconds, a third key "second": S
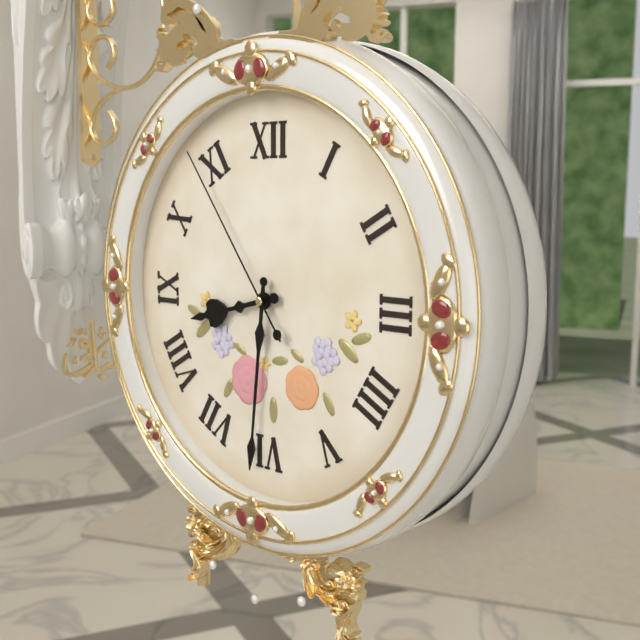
{"hour": 8, "minute": 31, "second": 54}
